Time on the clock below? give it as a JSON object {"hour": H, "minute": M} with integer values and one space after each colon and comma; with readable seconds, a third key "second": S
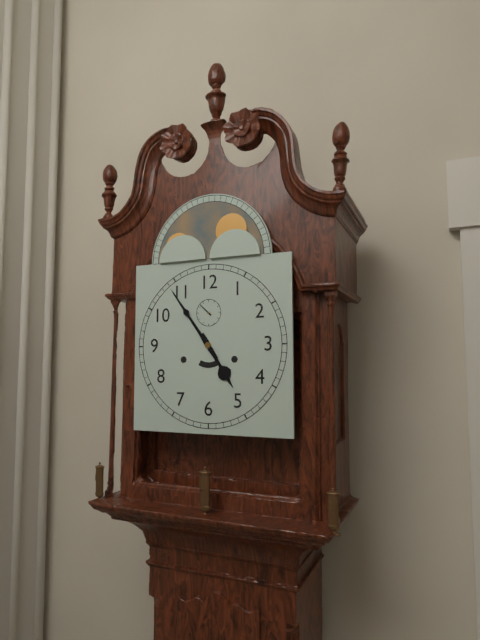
{"hour": 4, "minute": 54}
